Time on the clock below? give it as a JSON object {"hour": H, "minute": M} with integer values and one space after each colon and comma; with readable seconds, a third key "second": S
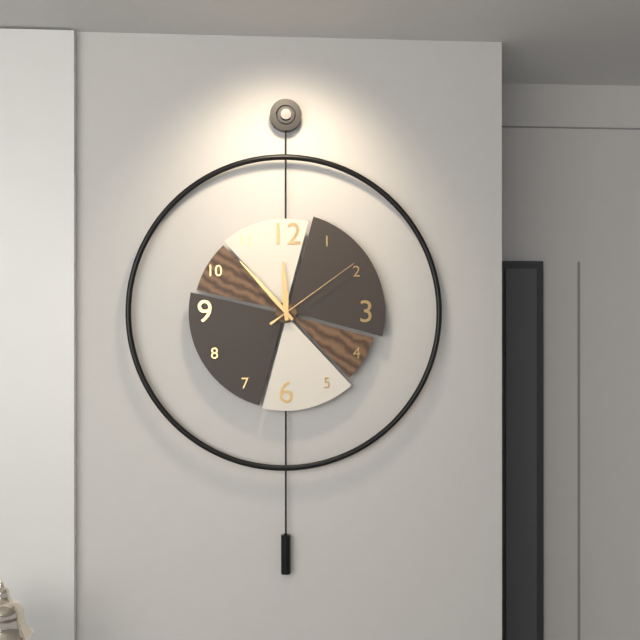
{"hour": 11, "minute": 53, "second": 9}
